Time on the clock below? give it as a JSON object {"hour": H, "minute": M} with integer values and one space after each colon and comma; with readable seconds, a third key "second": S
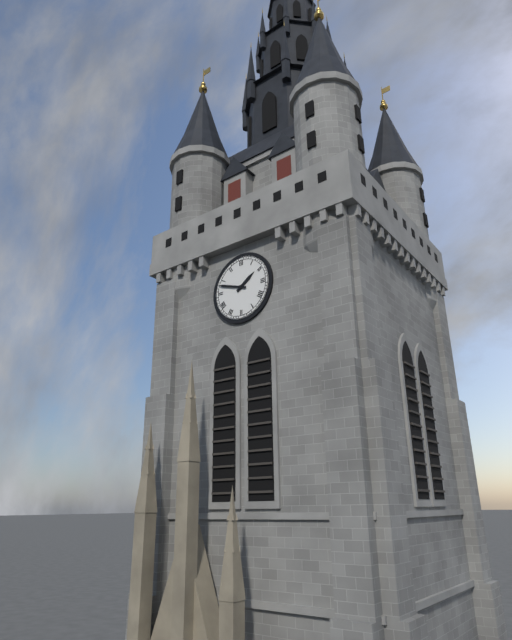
{"hour": 1, "minute": 48}
